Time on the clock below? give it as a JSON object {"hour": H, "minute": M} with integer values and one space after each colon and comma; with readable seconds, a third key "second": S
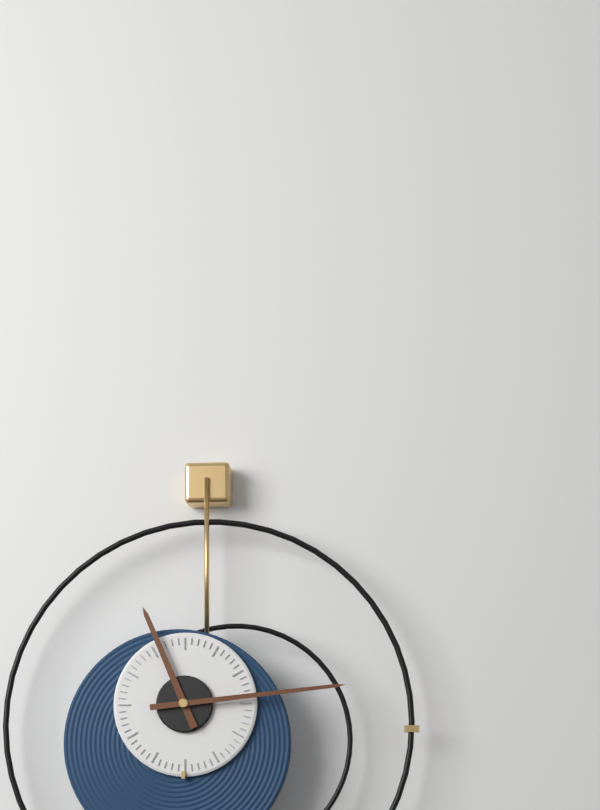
{"hour": 11, "minute": 14}
